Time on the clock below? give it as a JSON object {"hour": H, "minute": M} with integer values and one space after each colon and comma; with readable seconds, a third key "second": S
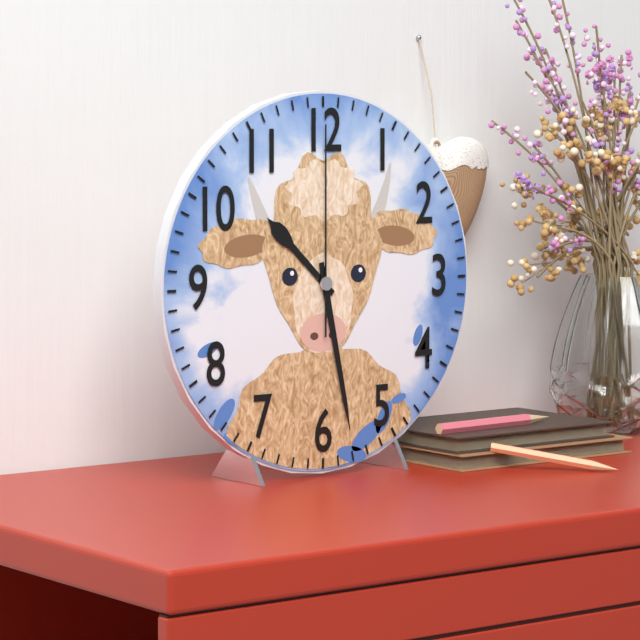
{"hour": 10, "minute": 28, "second": 0}
